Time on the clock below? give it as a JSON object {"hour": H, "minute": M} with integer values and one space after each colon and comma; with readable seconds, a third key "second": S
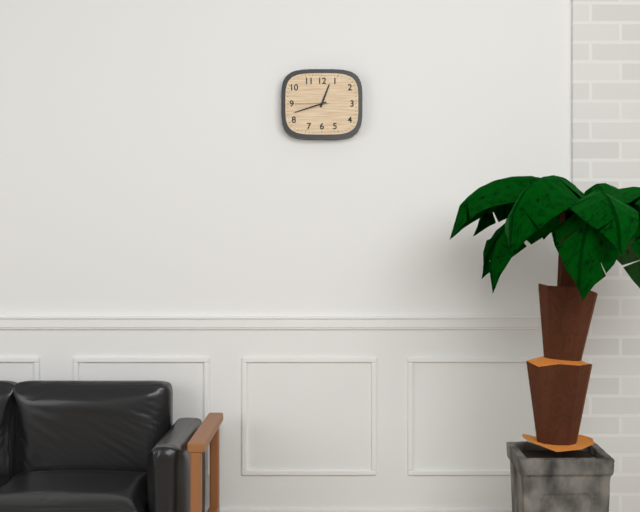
{"hour": 12, "minute": 42}
